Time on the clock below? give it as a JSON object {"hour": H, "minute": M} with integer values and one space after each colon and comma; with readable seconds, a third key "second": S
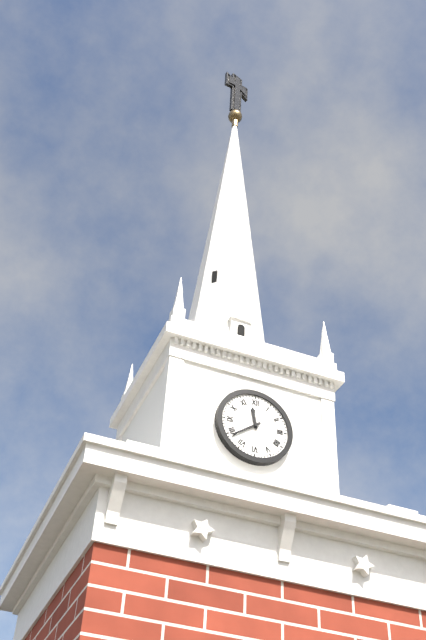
{"hour": 11, "minute": 39}
